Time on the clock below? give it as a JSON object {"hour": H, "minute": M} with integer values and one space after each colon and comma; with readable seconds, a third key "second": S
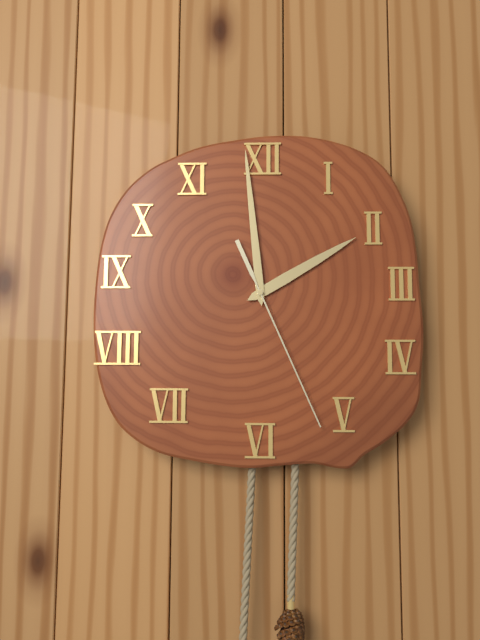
{"hour": 1, "minute": 59, "second": 26}
